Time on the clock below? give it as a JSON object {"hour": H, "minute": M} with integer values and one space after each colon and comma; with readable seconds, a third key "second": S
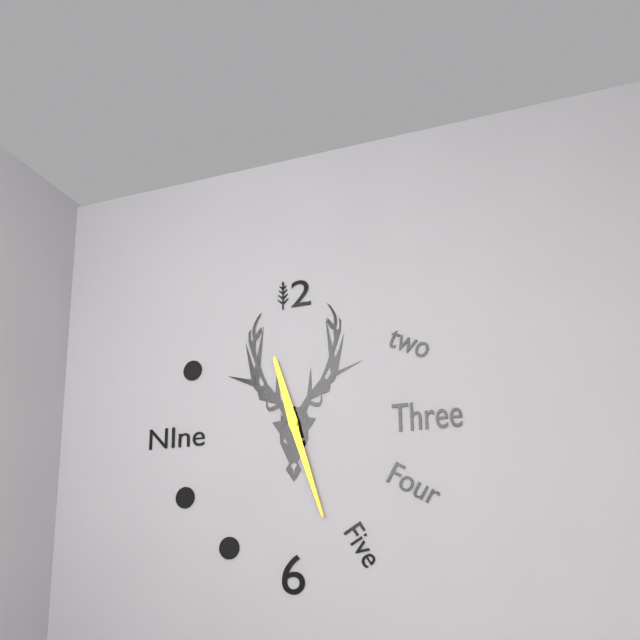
{"hour": 11, "minute": 27}
